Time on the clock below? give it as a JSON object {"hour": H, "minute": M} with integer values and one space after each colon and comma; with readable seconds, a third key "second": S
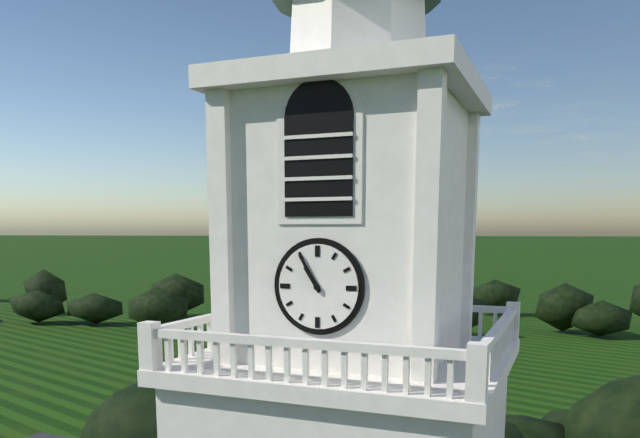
{"hour": 10, "minute": 55}
